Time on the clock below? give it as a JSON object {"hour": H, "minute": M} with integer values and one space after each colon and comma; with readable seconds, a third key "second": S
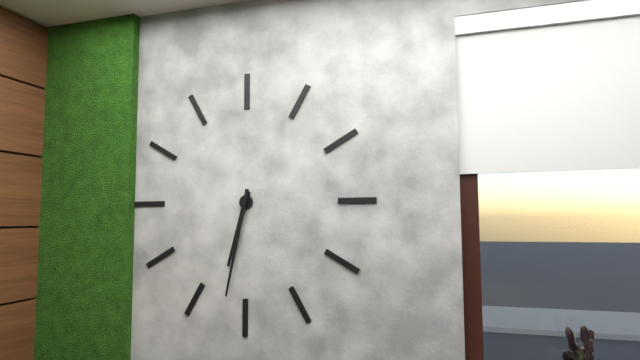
{"hour": 6, "minute": 32}
